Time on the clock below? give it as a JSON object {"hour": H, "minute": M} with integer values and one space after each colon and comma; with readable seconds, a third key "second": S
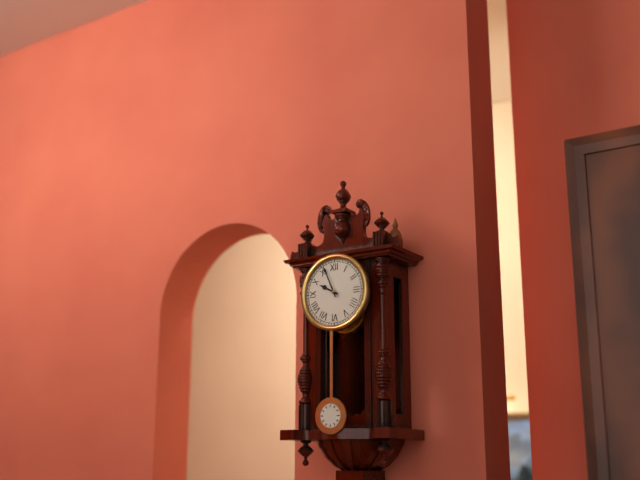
{"hour": 9, "minute": 56}
